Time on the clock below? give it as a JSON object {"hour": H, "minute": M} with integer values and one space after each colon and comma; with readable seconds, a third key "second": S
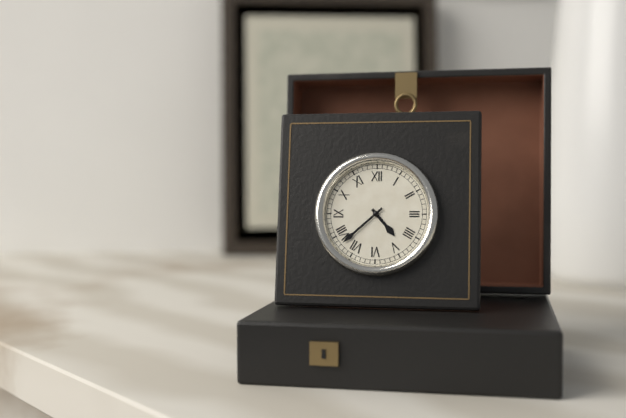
{"hour": 4, "minute": 38}
